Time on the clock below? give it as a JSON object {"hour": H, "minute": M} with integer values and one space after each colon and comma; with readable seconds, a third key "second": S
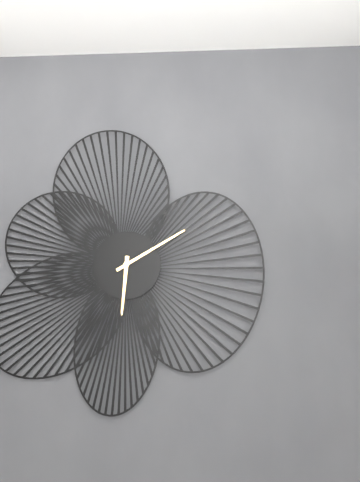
{"hour": 6, "minute": 10}
